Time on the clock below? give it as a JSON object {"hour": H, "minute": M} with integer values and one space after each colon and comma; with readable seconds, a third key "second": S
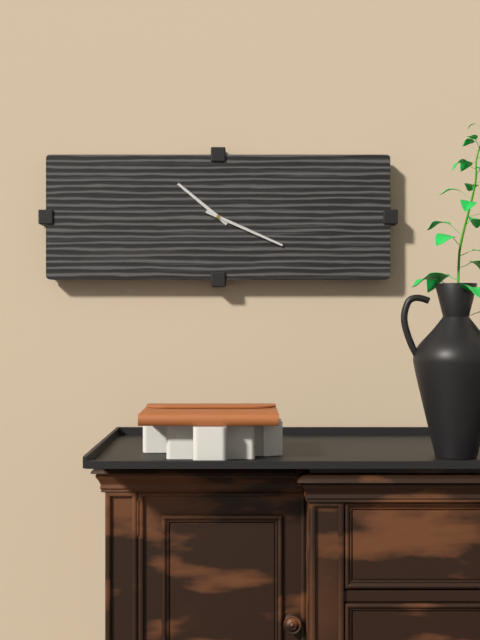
{"hour": 10, "minute": 19}
